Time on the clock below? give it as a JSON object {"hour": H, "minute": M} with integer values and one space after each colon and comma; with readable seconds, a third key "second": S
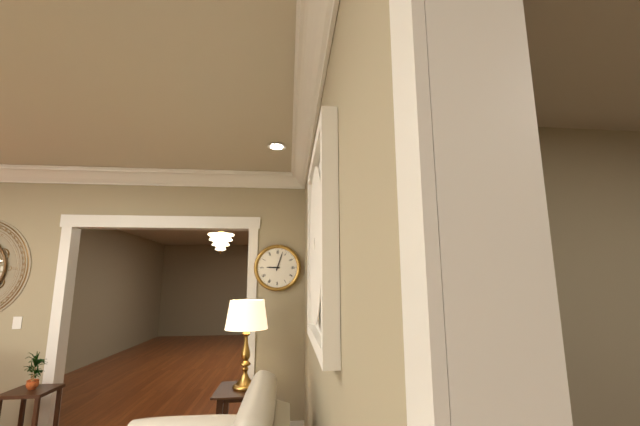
{"hour": 9, "minute": 3}
